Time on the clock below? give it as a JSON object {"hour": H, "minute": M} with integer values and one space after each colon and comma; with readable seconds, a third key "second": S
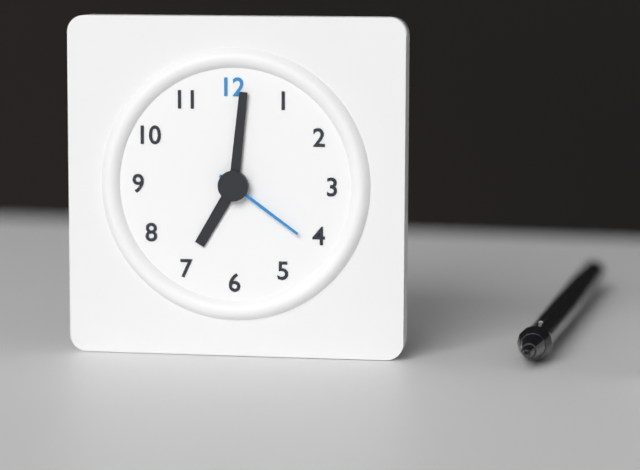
{"hour": 7, "minute": 1, "second": 21}
